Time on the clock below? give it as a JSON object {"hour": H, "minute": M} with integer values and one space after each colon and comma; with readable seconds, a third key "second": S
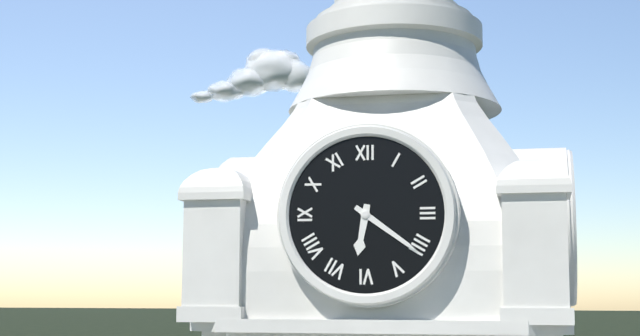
{"hour": 6, "minute": 21}
